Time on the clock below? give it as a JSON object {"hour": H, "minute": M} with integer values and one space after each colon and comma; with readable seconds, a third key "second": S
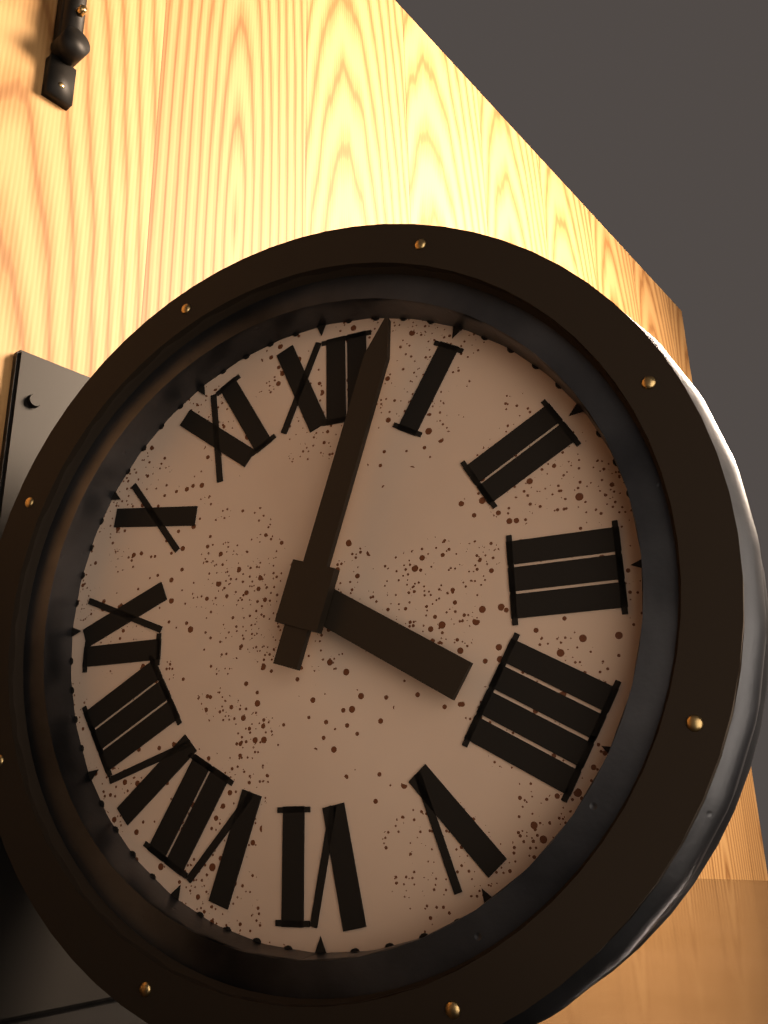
{"hour": 4, "minute": 3}
